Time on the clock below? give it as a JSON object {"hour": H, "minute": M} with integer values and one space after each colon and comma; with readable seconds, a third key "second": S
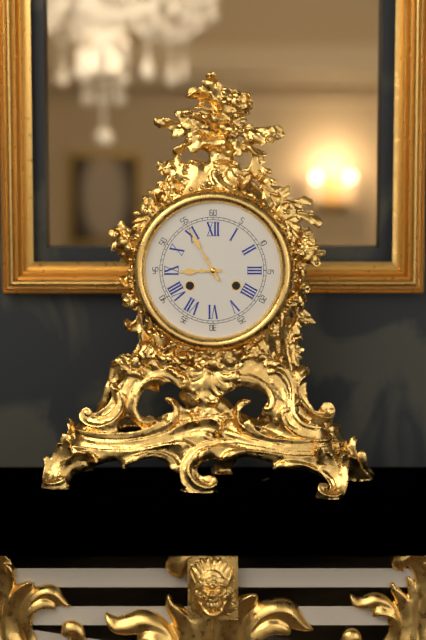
{"hour": 8, "minute": 55}
